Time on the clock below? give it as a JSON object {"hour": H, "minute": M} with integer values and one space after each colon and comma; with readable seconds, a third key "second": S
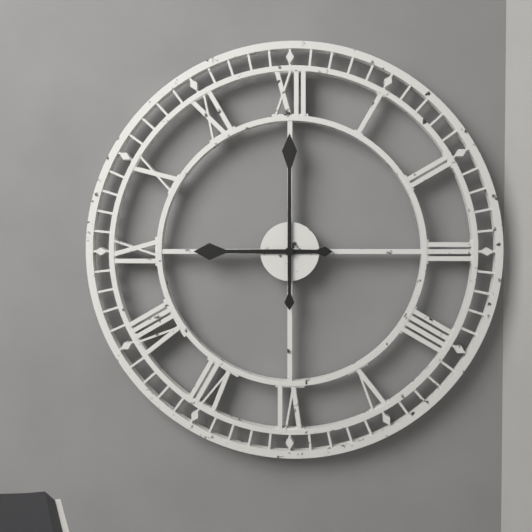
{"hour": 9, "minute": 0}
